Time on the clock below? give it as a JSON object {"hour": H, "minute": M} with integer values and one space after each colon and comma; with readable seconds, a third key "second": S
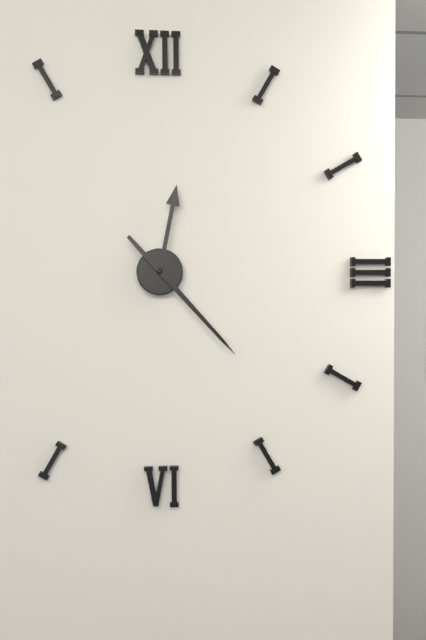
{"hour": 12, "minute": 23}
